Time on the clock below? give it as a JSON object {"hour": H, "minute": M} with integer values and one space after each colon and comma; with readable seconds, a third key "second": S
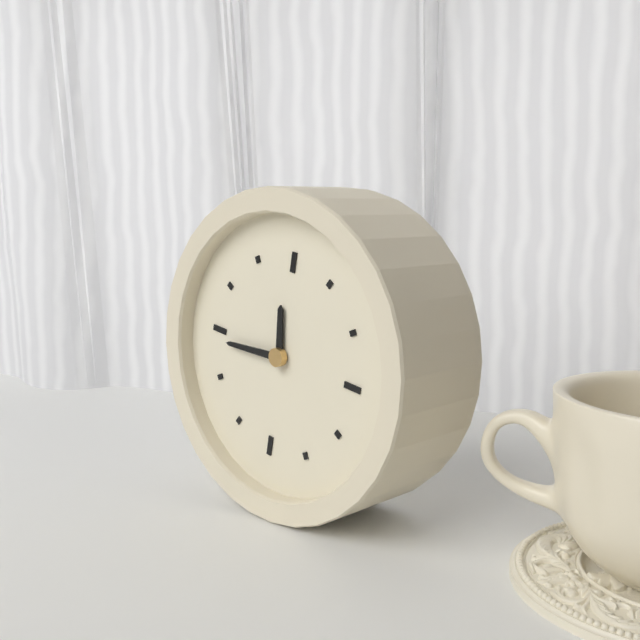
{"hour": 11, "minute": 44}
